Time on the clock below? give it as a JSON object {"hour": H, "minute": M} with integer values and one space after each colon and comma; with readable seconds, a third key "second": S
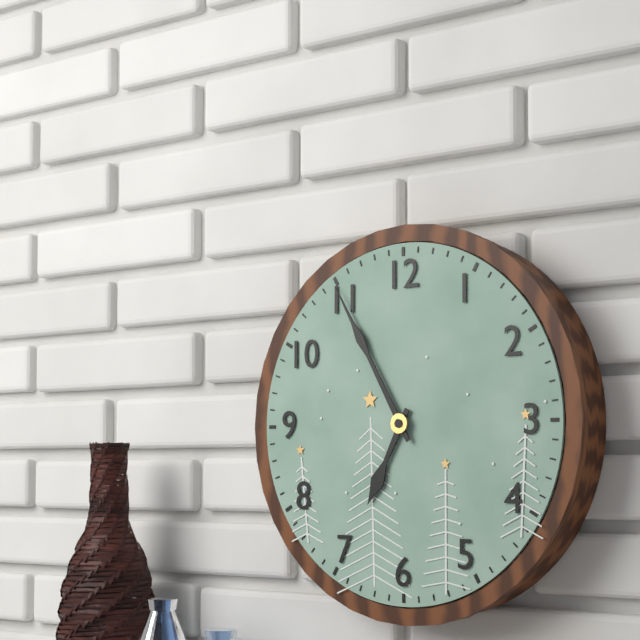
{"hour": 6, "minute": 55}
